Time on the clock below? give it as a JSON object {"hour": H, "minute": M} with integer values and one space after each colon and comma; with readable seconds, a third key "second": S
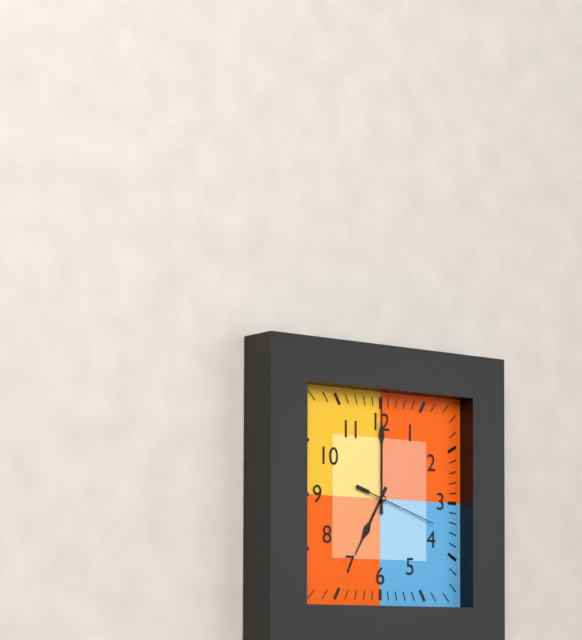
{"hour": 7, "minute": 0, "second": 18}
